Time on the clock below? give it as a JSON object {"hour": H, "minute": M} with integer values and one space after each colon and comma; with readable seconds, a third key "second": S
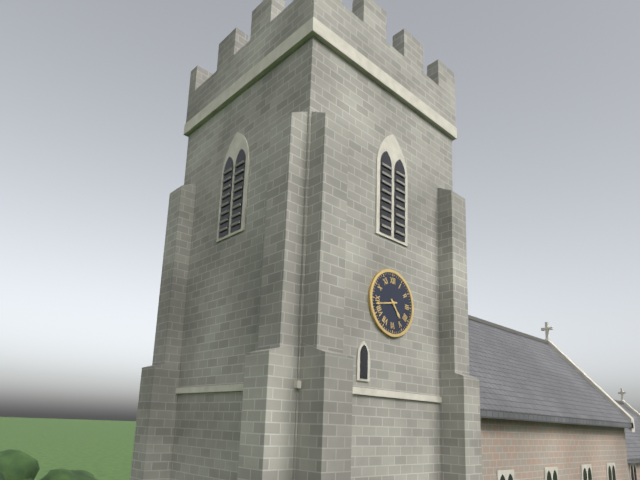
{"hour": 4, "minute": 43}
